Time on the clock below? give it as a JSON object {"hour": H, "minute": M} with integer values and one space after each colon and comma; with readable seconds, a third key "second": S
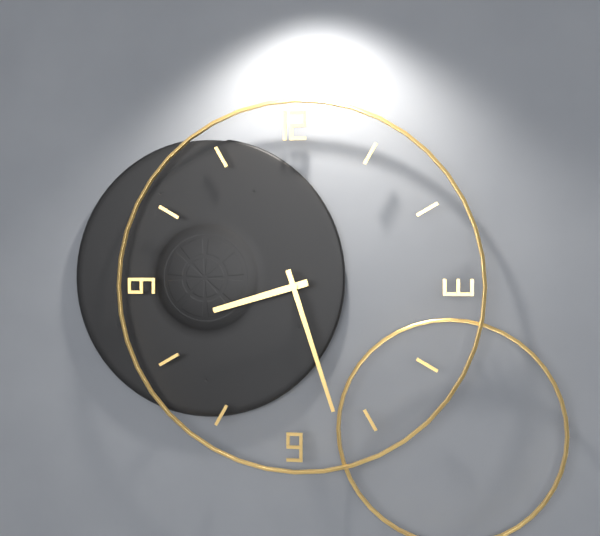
{"hour": 8, "minute": 27}
